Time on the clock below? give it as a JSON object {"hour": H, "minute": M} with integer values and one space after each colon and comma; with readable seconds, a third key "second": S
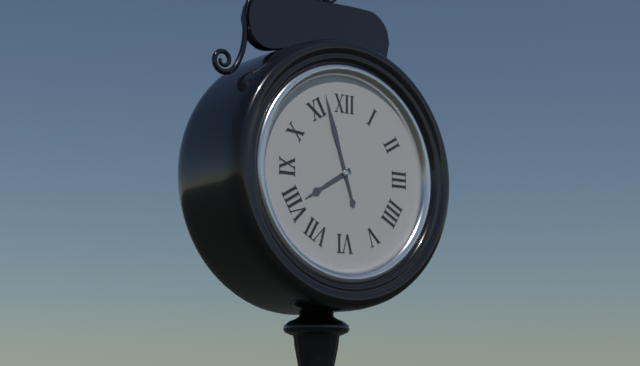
{"hour": 7, "minute": 57}
